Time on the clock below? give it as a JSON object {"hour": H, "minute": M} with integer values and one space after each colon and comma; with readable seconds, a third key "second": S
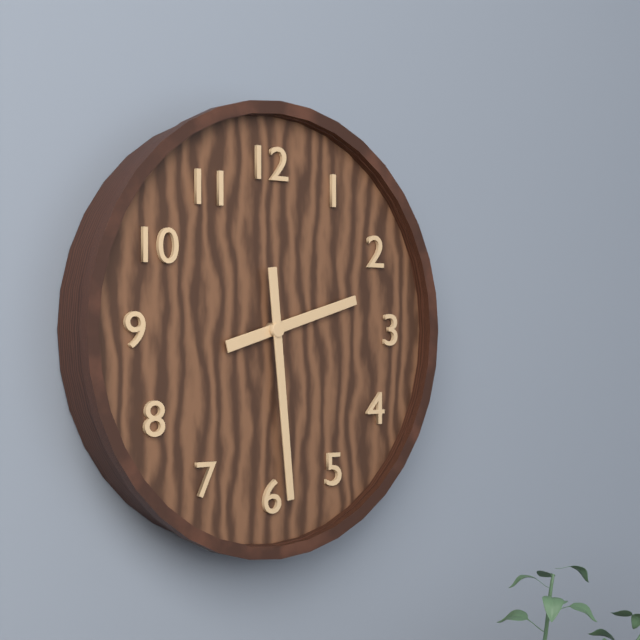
{"hour": 2, "minute": 29}
